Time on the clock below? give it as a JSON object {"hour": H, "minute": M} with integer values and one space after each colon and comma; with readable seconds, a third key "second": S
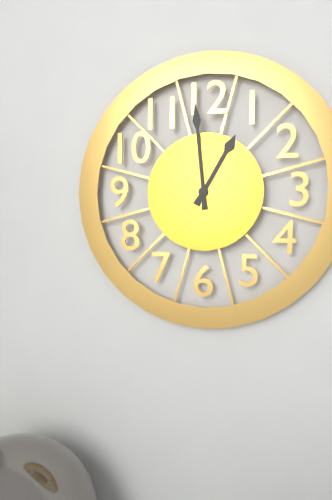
{"hour": 12, "minute": 59}
